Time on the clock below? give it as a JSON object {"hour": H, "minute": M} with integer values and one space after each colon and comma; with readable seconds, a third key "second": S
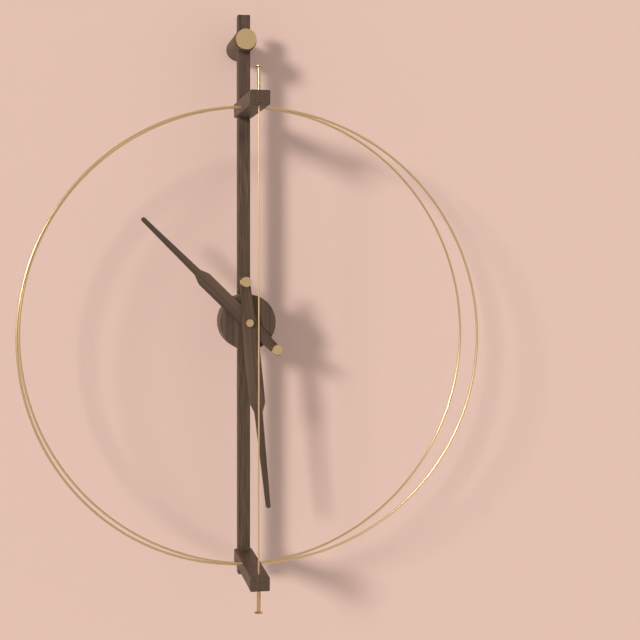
{"hour": 10, "minute": 29}
